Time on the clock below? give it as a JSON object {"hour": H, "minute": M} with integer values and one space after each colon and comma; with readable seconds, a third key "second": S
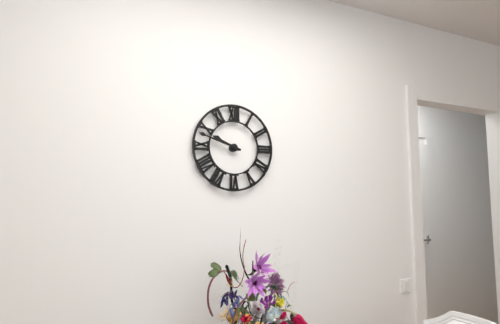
{"hour": 9, "minute": 48}
